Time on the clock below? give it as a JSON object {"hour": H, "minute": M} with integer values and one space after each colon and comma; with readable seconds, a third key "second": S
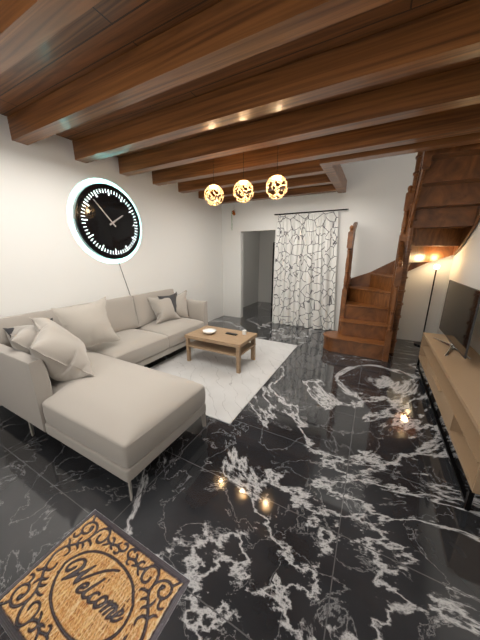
{"hour": 1, "minute": 53}
